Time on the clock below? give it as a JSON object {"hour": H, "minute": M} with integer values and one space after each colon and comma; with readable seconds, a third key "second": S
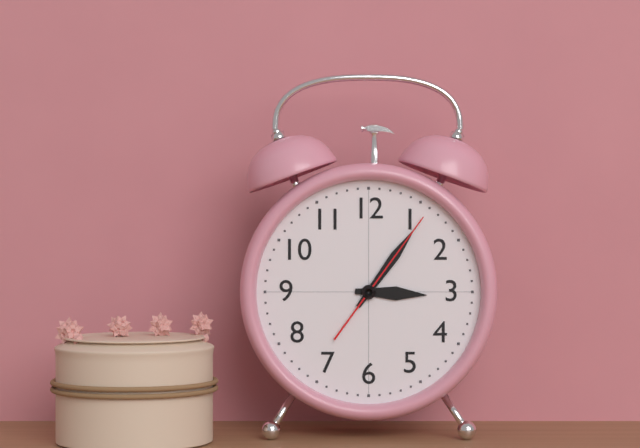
{"hour": 3, "minute": 6, "second": 6}
